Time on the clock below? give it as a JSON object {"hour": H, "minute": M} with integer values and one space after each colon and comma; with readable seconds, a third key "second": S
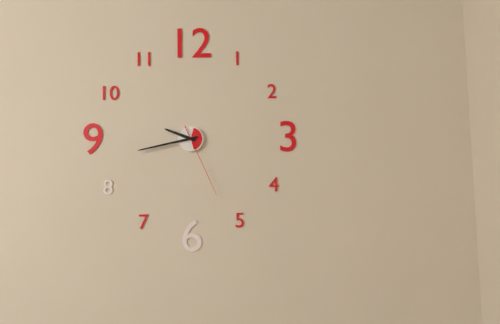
{"hour": 9, "minute": 43, "second": 26}
